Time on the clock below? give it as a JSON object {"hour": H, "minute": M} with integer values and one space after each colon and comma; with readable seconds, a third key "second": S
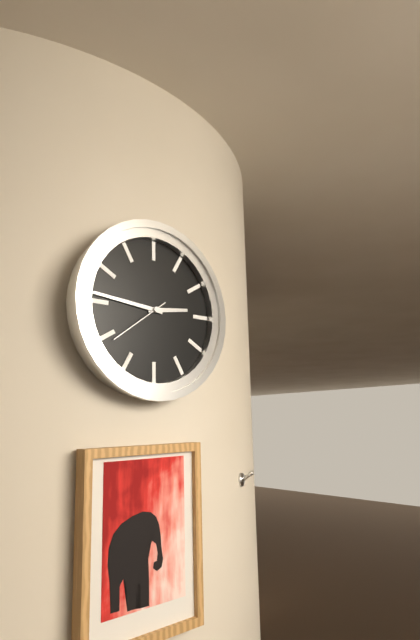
{"hour": 2, "minute": 46, "second": 39}
